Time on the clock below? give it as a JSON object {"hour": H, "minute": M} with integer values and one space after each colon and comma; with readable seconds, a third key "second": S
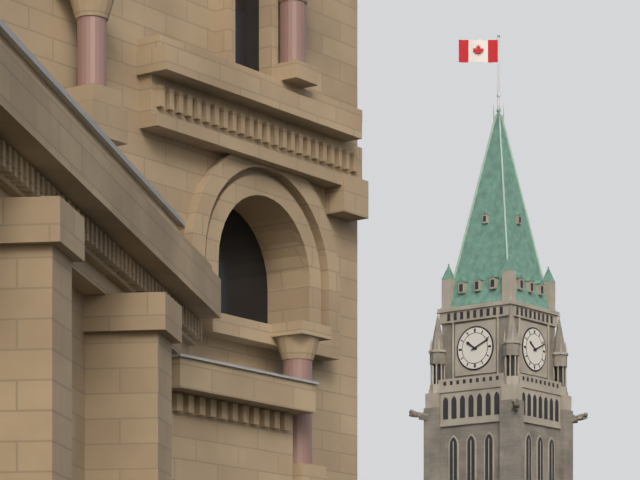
{"hour": 10, "minute": 11}
